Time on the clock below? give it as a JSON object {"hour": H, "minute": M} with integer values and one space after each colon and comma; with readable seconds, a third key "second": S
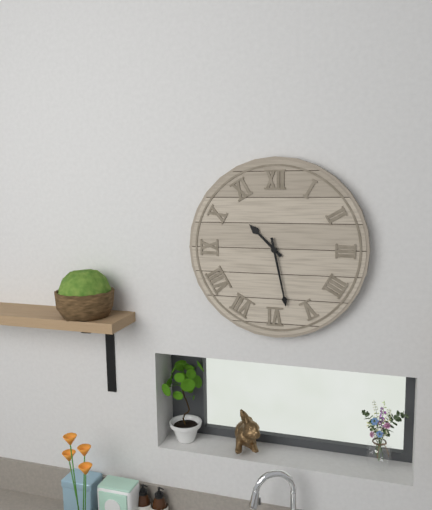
{"hour": 10, "minute": 28}
